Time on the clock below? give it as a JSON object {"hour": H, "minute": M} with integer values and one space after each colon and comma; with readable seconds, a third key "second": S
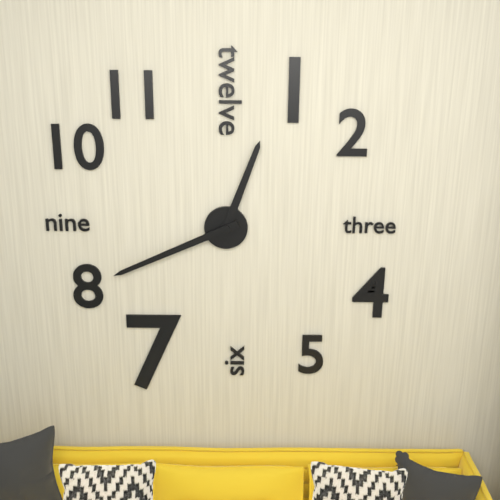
{"hour": 12, "minute": 41}
